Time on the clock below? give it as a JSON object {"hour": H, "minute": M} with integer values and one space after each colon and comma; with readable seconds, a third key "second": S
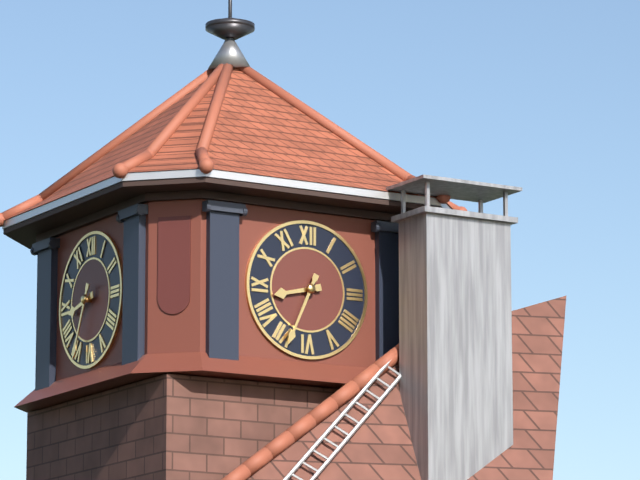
{"hour": 8, "minute": 34}
